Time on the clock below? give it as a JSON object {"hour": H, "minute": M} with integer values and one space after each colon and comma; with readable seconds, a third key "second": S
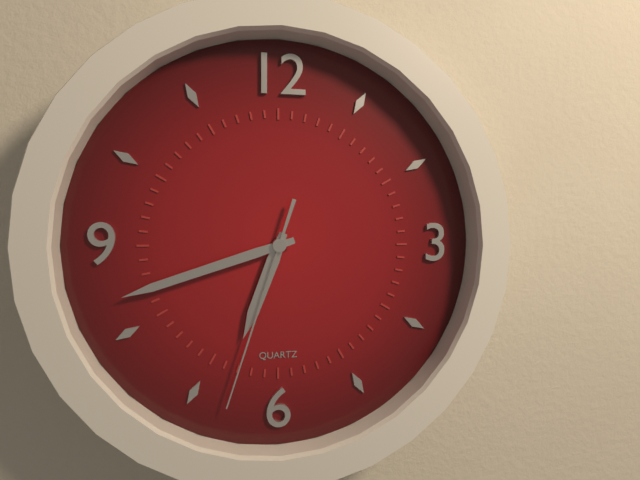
{"hour": 6, "minute": 42, "second": 33}
